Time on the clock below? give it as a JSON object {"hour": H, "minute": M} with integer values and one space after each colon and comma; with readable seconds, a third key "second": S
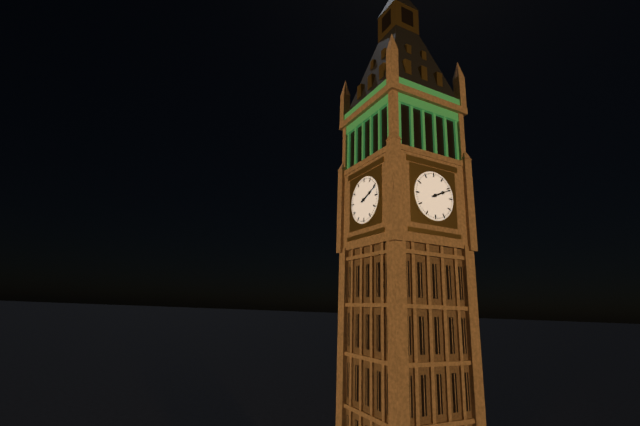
{"hour": 2, "minute": 11}
